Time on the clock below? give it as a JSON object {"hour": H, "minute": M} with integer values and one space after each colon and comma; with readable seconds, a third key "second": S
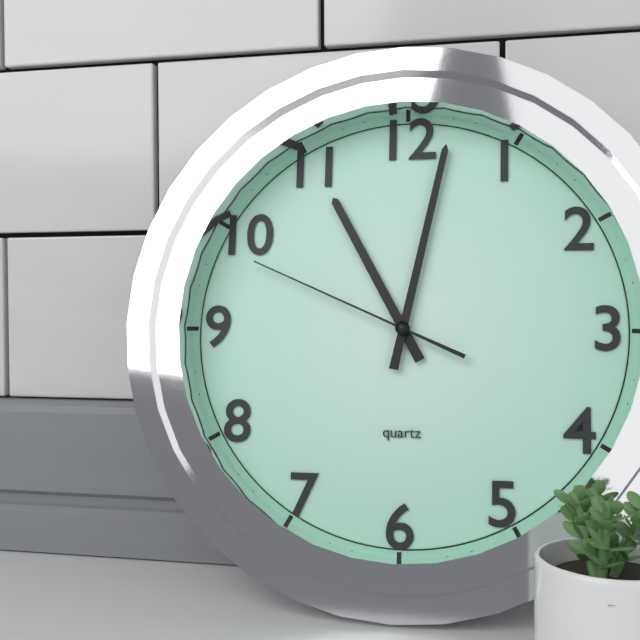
{"hour": 11, "minute": 2, "second": 49}
